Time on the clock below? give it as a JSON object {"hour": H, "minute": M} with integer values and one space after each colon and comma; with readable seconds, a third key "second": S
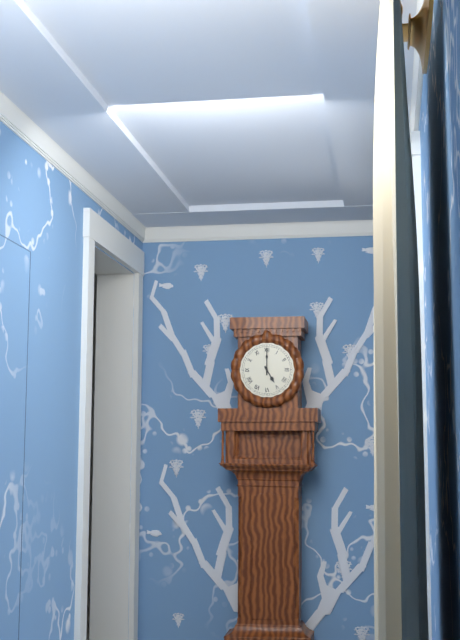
{"hour": 5, "minute": 0}
